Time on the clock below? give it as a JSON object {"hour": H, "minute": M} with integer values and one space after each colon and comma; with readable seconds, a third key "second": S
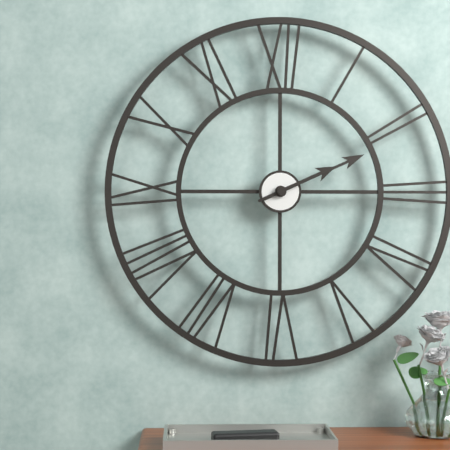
{"hour": 2, "minute": 11}
